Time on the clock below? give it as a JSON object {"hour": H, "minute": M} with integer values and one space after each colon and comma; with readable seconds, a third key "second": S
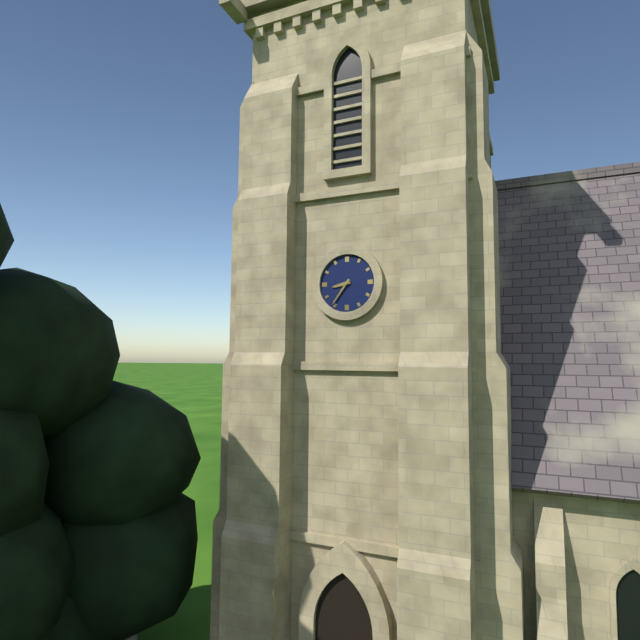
{"hour": 8, "minute": 36}
